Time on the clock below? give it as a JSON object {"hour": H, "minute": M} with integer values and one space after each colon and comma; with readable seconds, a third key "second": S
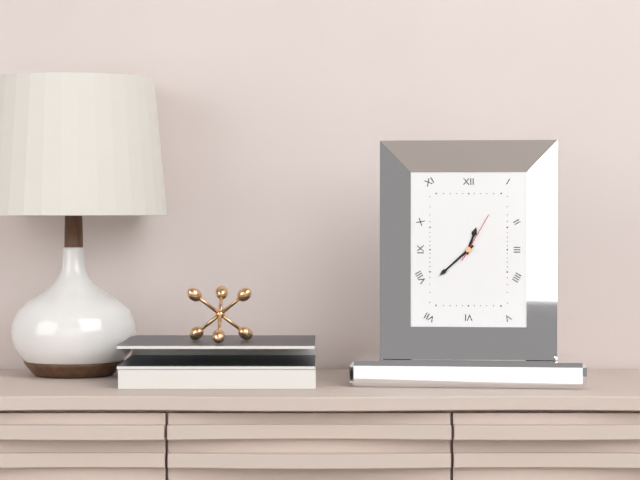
{"hour": 12, "minute": 38, "second": 5}
